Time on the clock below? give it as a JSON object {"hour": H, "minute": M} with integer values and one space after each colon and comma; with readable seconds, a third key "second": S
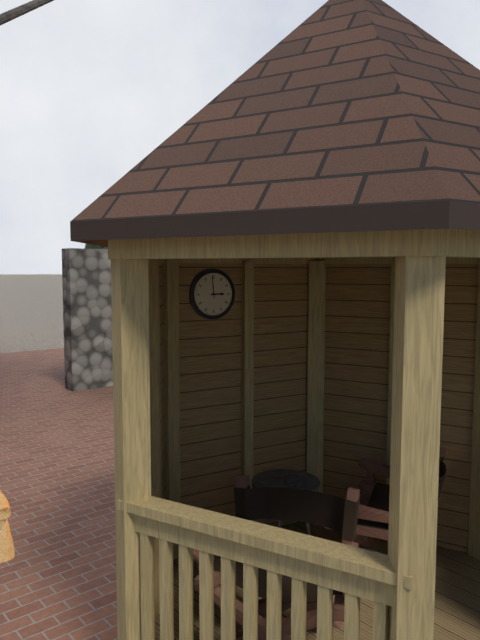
{"hour": 2, "minute": 59}
